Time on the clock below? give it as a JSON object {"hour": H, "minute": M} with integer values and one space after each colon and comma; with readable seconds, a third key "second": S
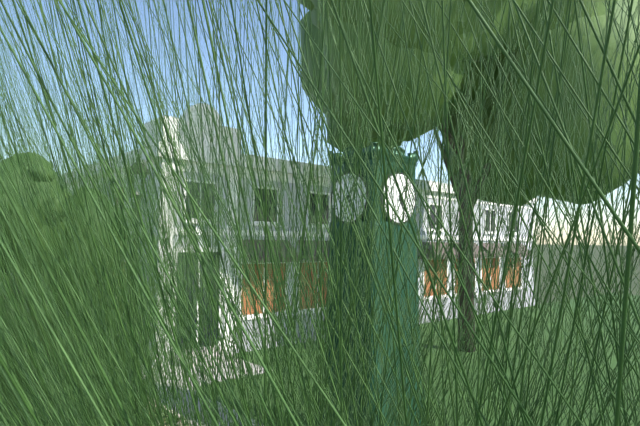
{"hour": 5, "minute": 6}
